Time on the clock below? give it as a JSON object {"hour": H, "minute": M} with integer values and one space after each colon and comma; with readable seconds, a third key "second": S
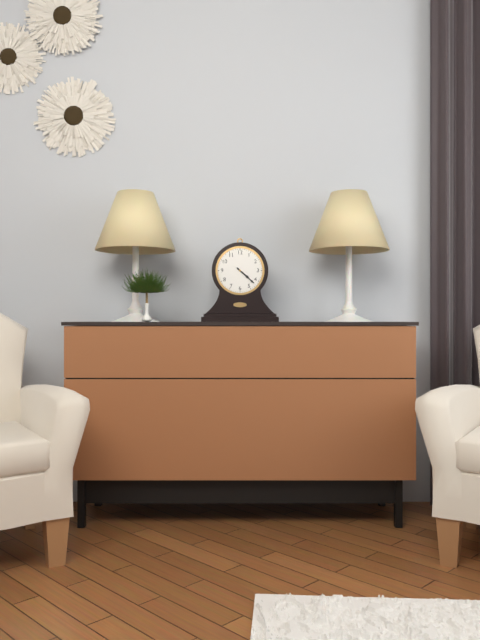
{"hour": 4, "minute": 22}
